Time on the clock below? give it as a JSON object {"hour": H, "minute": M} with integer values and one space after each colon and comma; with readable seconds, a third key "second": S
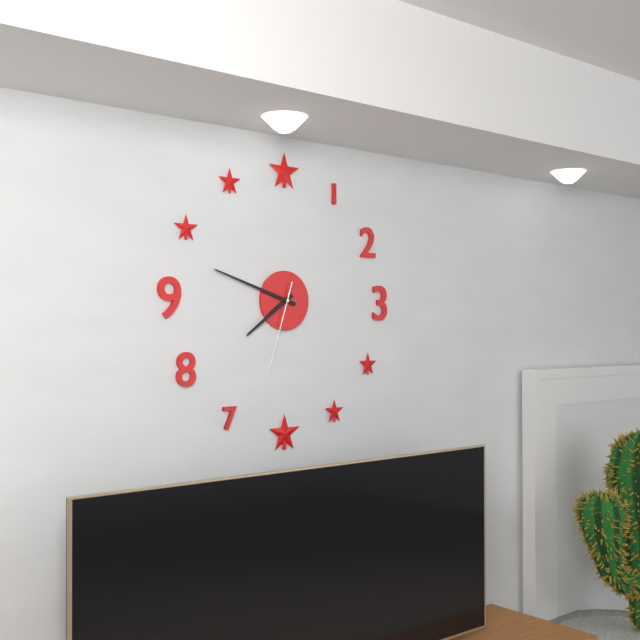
{"hour": 7, "minute": 48, "second": 33}
